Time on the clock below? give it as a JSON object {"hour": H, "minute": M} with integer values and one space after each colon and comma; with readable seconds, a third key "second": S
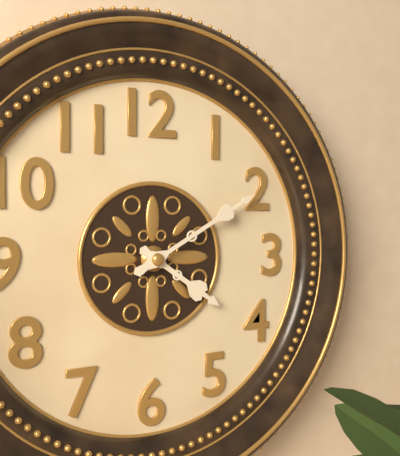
{"hour": 4, "minute": 10}
